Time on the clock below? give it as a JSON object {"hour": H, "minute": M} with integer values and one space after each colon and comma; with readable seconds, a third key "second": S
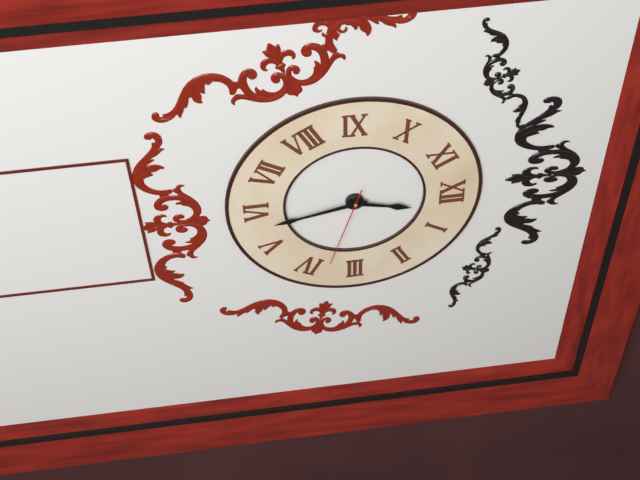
{"hour": 12, "minute": 28, "second": 18}
